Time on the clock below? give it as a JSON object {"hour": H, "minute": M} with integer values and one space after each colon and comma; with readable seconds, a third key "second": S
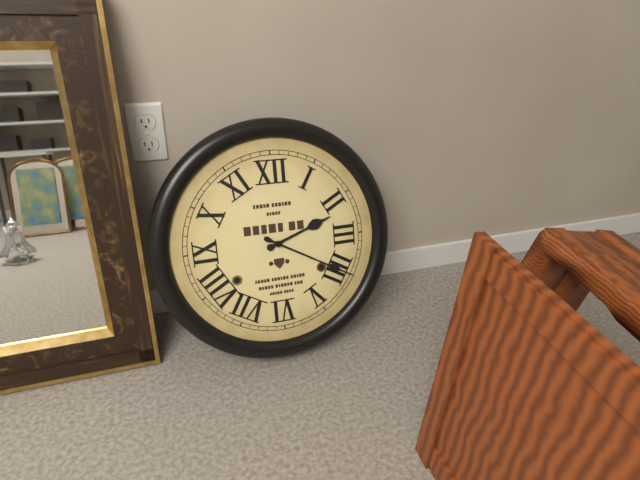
{"hour": 2, "minute": 20}
